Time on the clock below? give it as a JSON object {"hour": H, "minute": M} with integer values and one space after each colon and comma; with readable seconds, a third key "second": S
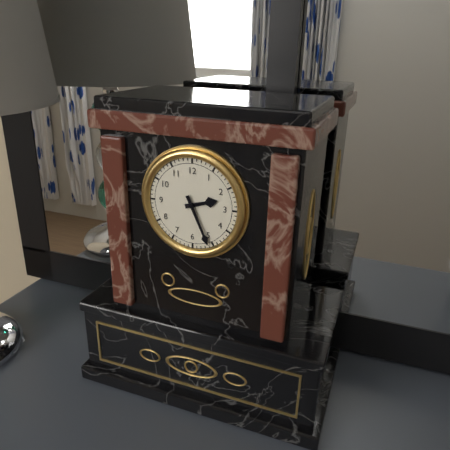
{"hour": 2, "minute": 26}
